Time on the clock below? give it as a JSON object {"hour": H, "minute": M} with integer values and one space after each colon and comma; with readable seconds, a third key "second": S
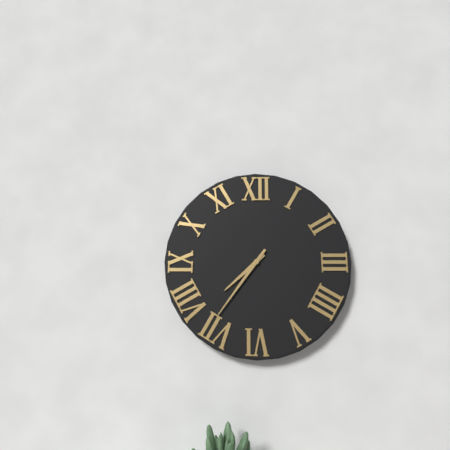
{"hour": 7, "minute": 36}
